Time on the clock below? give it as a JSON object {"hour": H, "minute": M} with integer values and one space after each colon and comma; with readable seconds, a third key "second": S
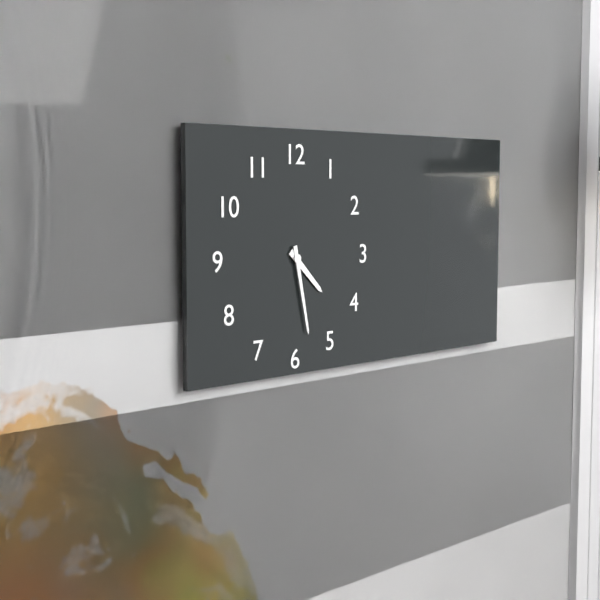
{"hour": 4, "minute": 28}
